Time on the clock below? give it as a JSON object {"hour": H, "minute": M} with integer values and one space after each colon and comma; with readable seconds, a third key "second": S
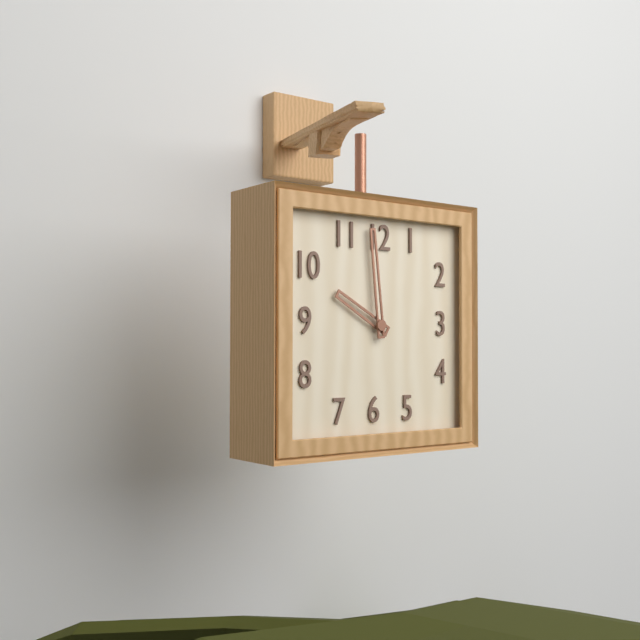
{"hour": 9, "minute": 59}
